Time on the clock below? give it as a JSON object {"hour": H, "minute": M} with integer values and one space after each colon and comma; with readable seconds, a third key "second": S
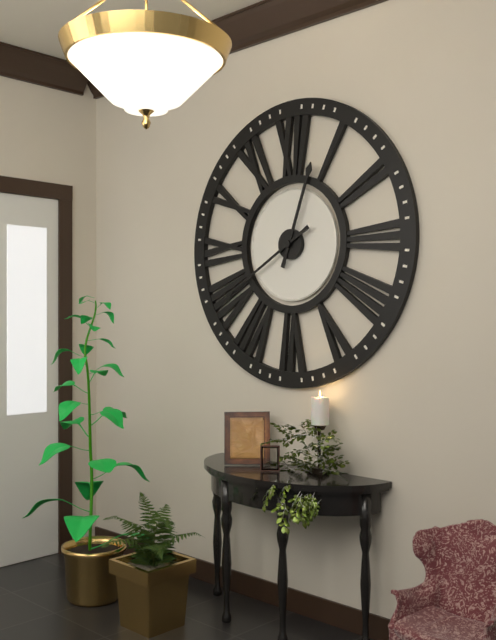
{"hour": 12, "minute": 40}
